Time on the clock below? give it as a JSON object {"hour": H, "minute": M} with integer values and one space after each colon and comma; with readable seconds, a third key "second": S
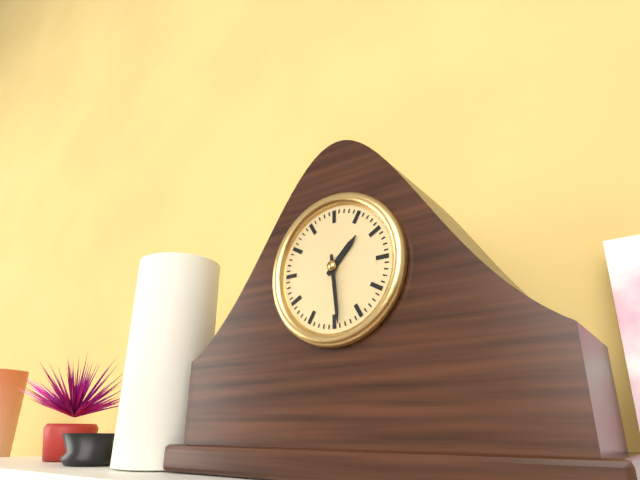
{"hour": 1, "minute": 29}
